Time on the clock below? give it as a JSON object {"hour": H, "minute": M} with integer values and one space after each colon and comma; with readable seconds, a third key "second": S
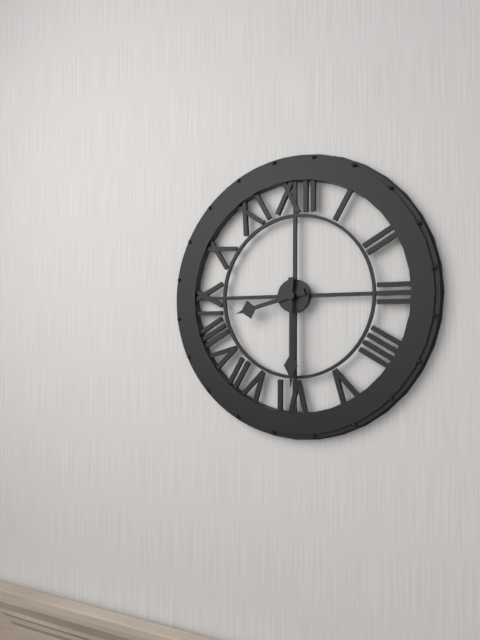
{"hour": 8, "minute": 30}
